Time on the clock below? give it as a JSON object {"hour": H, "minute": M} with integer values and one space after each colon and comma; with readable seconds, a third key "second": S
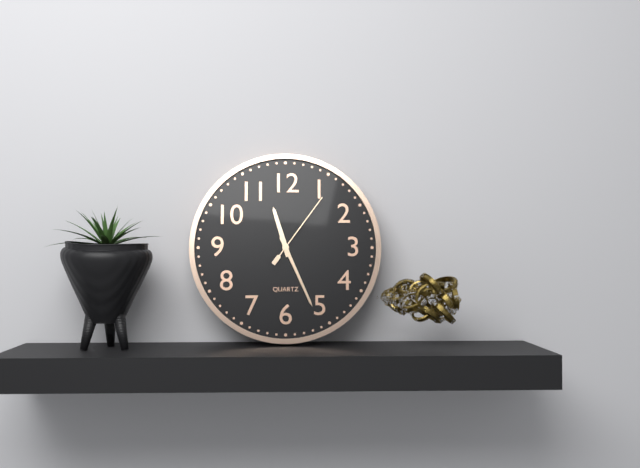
{"hour": 11, "minute": 26, "second": 6}
